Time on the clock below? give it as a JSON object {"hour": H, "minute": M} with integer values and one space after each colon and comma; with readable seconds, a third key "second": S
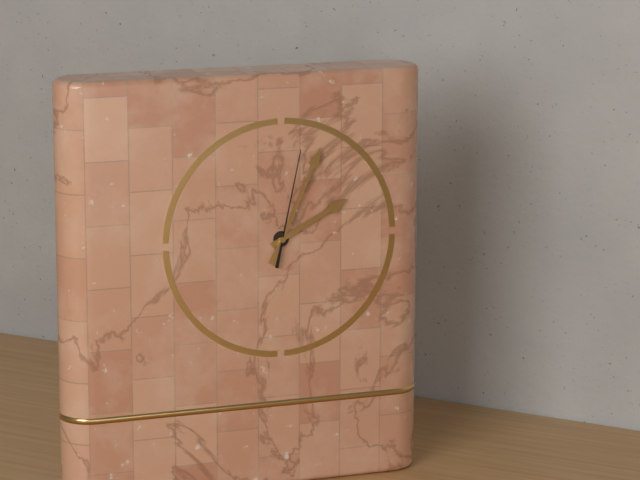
{"hour": 2, "minute": 4, "second": 2}
